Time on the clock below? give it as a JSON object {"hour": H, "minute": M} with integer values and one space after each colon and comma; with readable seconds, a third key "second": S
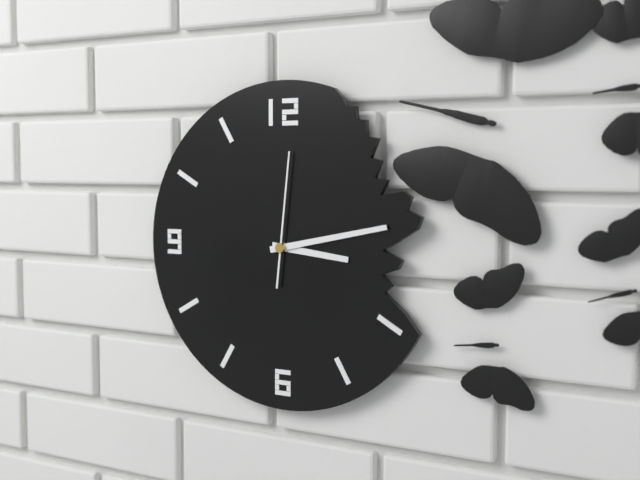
{"hour": 3, "minute": 13, "second": 1}
